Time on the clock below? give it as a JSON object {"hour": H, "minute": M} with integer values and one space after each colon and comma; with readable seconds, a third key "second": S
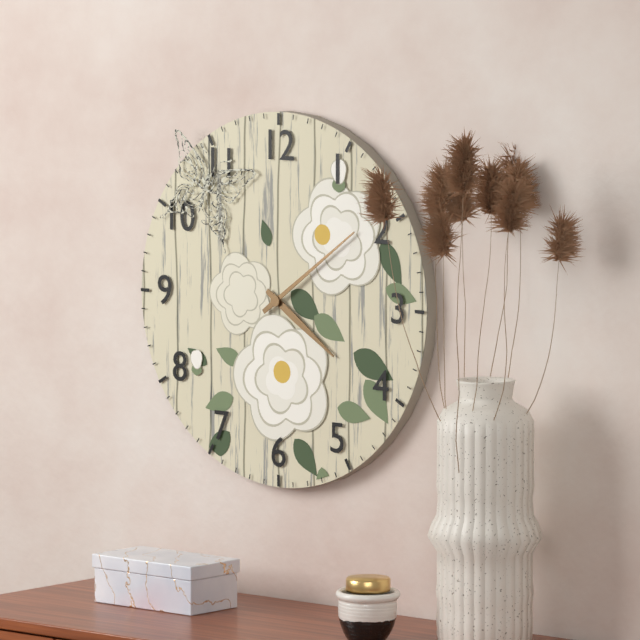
{"hour": 4, "minute": 9}
